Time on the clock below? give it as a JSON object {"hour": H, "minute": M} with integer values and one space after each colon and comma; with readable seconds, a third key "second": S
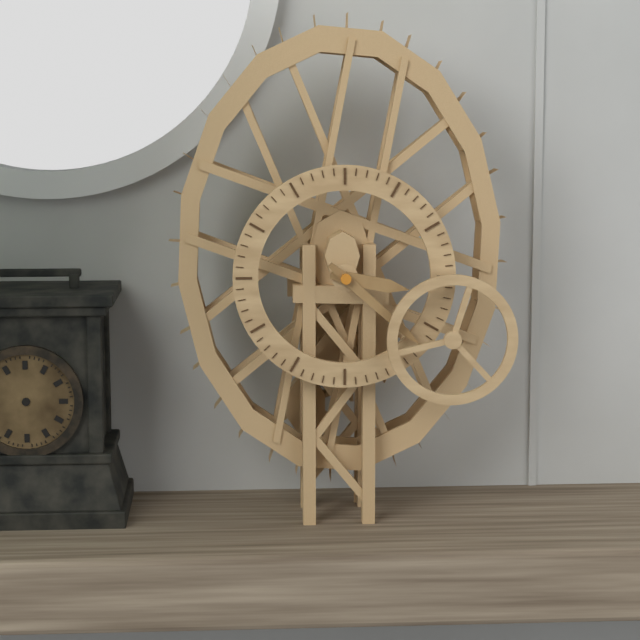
{"hour": 3, "minute": 22}
